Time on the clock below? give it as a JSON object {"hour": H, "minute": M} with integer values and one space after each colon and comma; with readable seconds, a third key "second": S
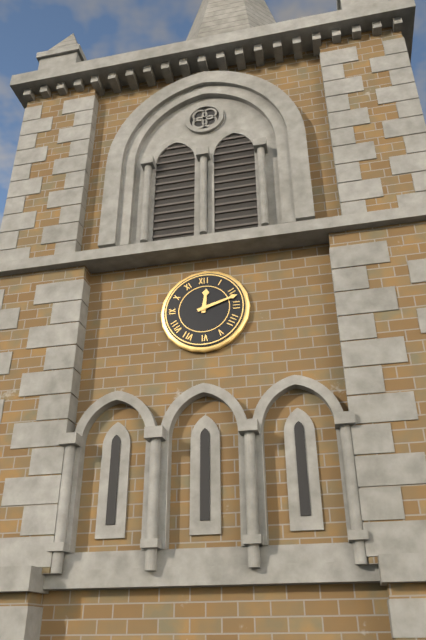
{"hour": 12, "minute": 12}
